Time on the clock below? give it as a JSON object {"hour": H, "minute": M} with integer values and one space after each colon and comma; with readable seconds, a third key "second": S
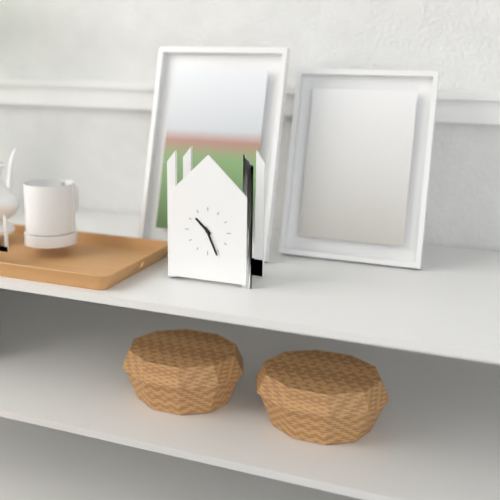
{"hour": 10, "minute": 26}
